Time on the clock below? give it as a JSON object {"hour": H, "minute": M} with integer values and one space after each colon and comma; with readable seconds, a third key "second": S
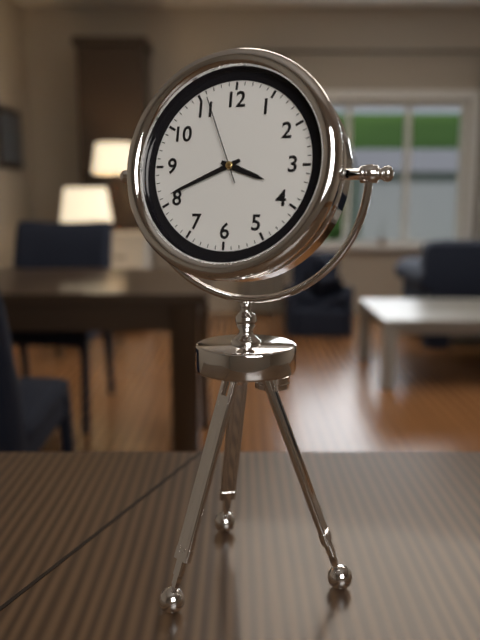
{"hour": 3, "minute": 41, "second": 56}
